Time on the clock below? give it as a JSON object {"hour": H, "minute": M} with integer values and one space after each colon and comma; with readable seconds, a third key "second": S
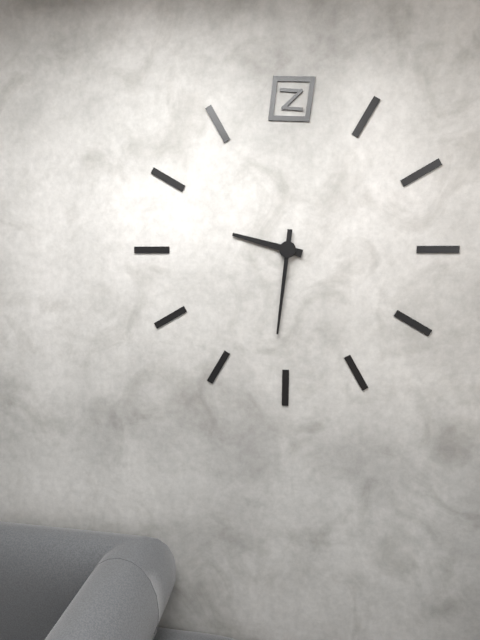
{"hour": 9, "minute": 31}
